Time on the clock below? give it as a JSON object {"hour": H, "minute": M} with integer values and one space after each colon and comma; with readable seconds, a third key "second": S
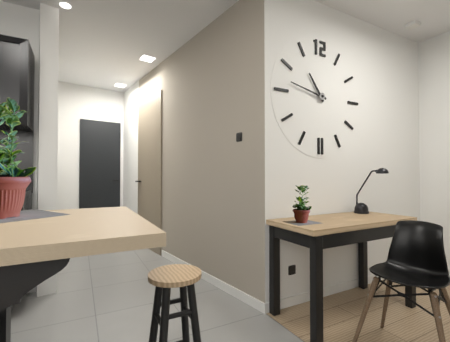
{"hour": 10, "minute": 47}
